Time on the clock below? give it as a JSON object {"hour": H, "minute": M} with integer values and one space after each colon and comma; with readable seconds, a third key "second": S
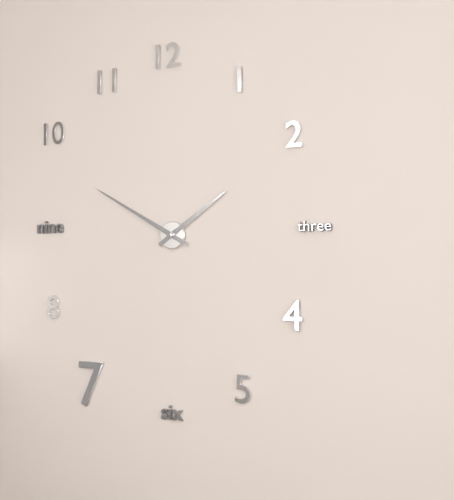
{"hour": 1, "minute": 50}
